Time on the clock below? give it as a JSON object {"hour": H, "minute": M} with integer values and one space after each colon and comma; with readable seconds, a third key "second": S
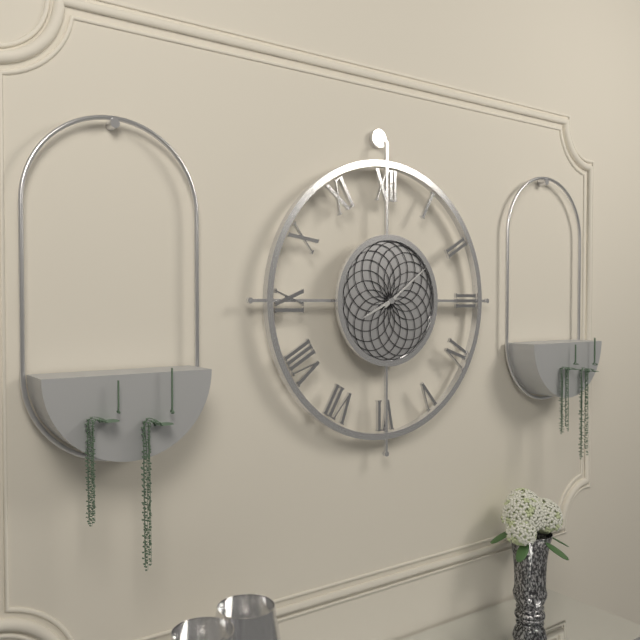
{"hour": 8, "minute": 9}
